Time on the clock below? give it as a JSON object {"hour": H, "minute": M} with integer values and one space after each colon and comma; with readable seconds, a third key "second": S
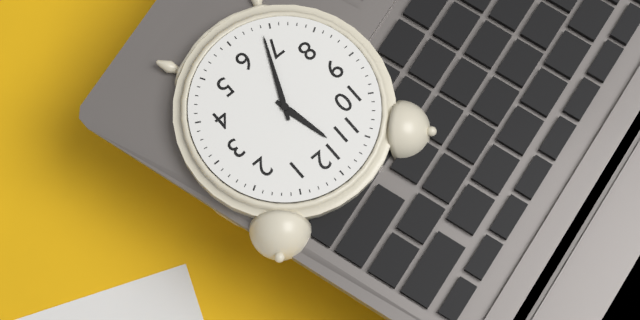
{"hour": 11, "minute": 34}
